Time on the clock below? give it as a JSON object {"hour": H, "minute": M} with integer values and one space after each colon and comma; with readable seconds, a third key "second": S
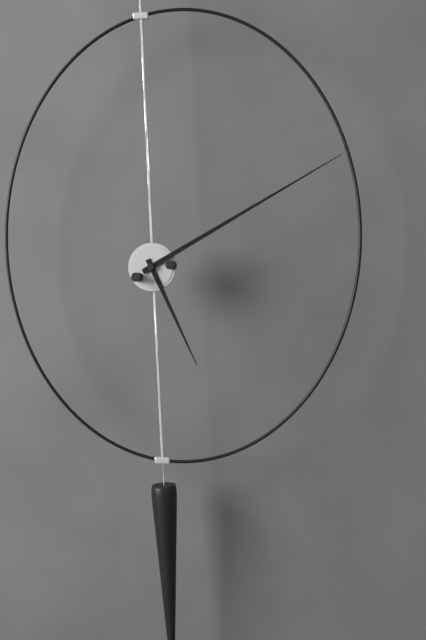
{"hour": 5, "minute": 10}
